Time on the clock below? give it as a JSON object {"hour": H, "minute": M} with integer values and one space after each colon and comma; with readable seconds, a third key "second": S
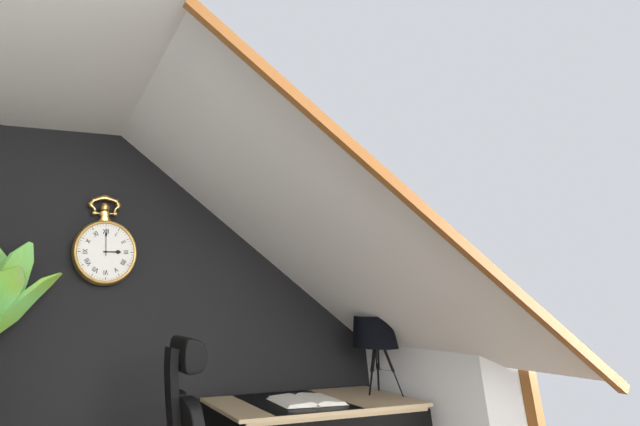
{"hour": 3, "minute": 0}
